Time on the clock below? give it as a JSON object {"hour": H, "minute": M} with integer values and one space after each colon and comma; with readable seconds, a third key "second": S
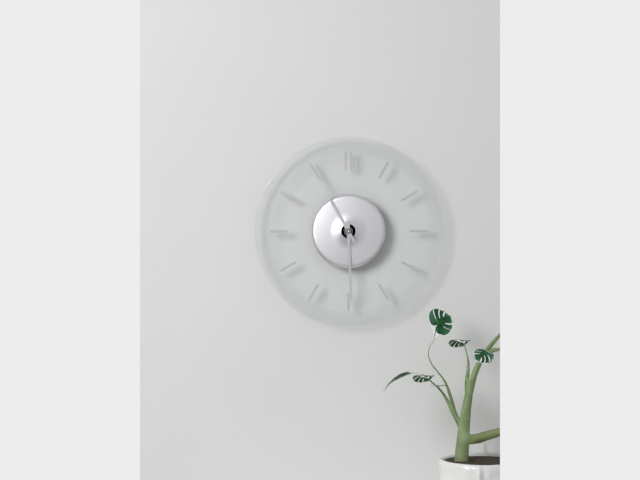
{"hour": 5, "minute": 55}
